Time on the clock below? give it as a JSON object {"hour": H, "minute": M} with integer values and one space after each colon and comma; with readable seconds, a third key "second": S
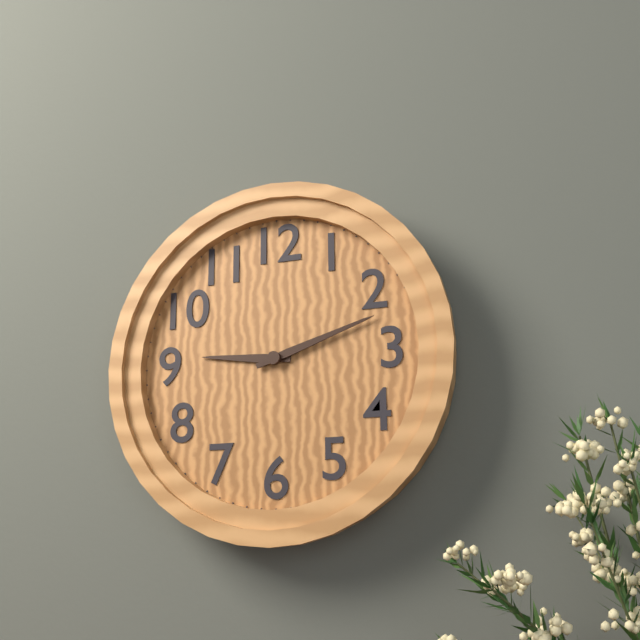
{"hour": 9, "minute": 12}
